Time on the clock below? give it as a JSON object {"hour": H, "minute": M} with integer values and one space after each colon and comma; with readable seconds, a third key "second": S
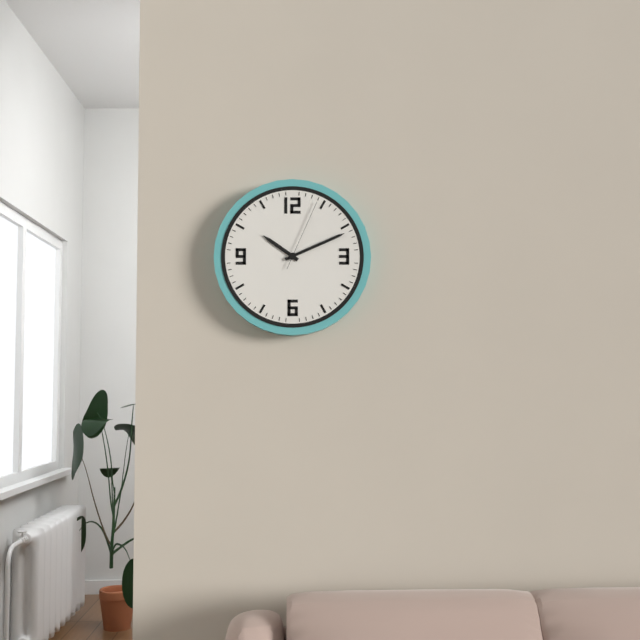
{"hour": 10, "minute": 11, "second": 4}
